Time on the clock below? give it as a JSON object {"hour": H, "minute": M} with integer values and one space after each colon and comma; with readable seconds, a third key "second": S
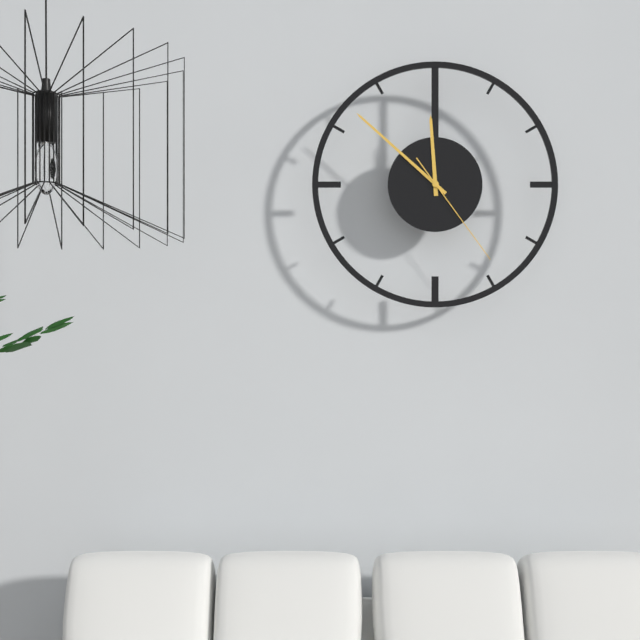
{"hour": 11, "minute": 52, "second": 24}
